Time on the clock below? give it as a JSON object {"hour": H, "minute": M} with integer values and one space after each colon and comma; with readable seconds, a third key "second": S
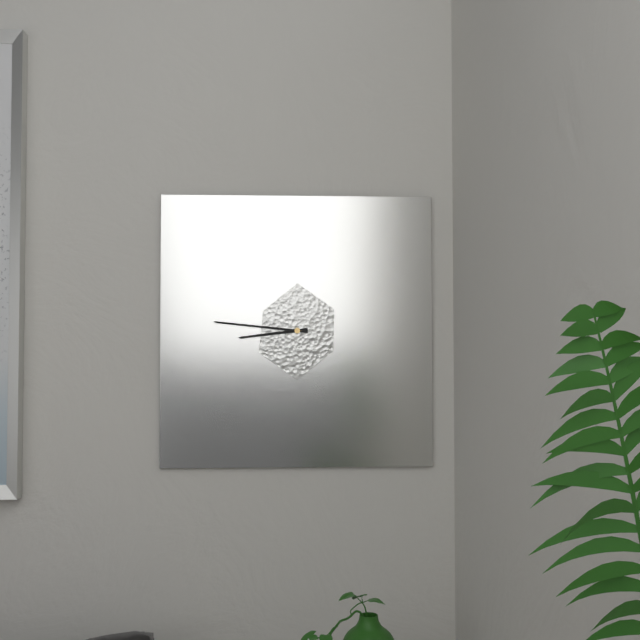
{"hour": 8, "minute": 46}
